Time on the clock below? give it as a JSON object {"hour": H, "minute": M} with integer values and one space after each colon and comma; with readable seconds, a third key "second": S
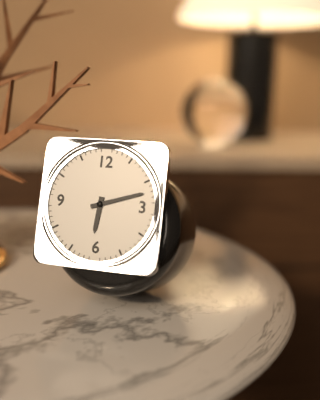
{"hour": 6, "minute": 12}
